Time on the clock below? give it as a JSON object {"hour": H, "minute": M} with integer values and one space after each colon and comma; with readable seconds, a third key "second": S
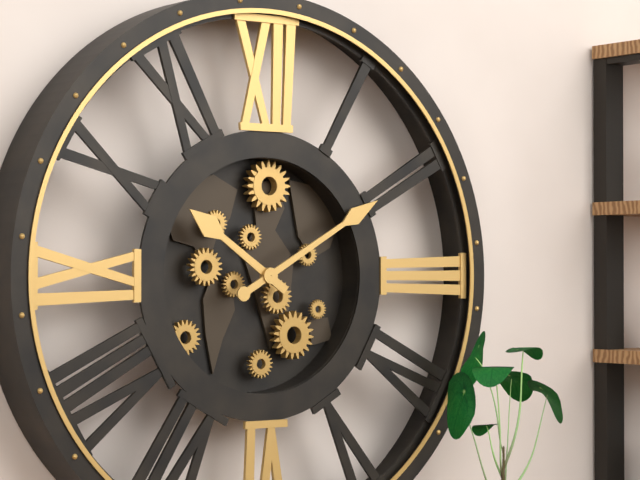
{"hour": 10, "minute": 10}
